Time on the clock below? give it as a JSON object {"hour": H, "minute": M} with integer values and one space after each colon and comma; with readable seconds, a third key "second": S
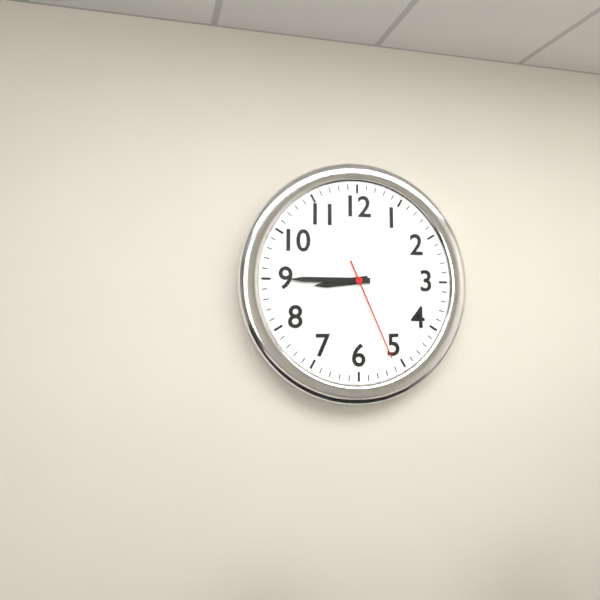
{"hour": 8, "minute": 45, "second": 26}
